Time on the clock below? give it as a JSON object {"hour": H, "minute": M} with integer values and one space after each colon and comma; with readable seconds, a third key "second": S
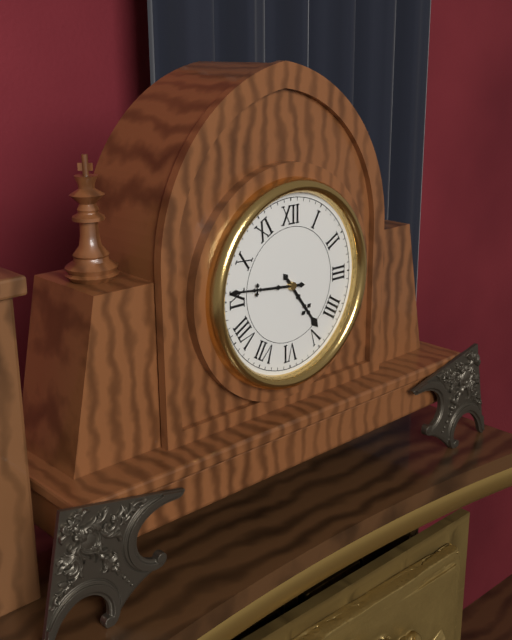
{"hour": 4, "minute": 46}
